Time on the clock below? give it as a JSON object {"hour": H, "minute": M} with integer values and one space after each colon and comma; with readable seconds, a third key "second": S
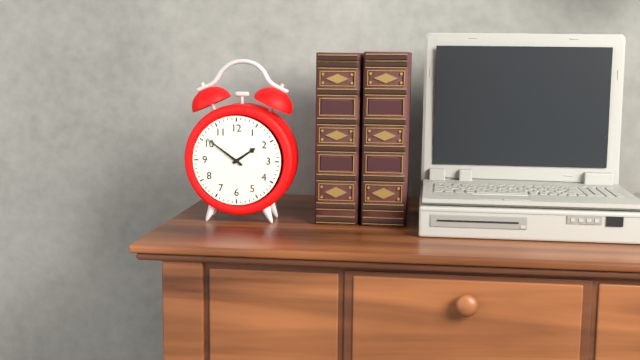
{"hour": 1, "minute": 51}
